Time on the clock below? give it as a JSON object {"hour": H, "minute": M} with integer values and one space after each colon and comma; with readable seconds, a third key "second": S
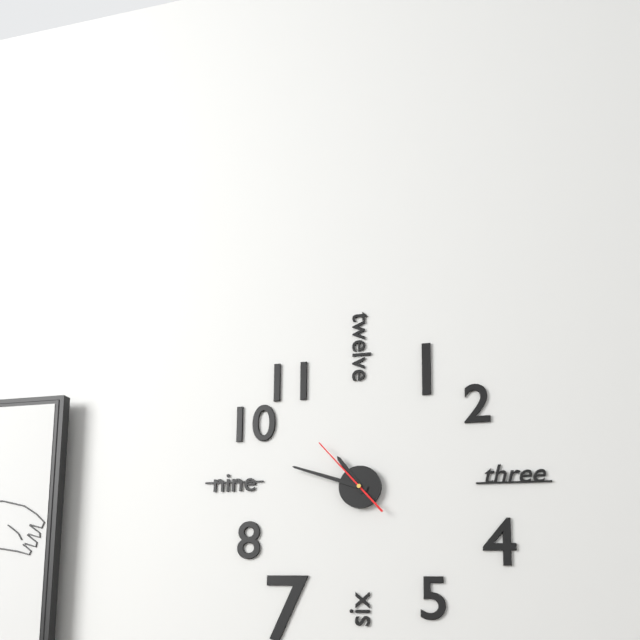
{"hour": 10, "minute": 48, "second": 53}
